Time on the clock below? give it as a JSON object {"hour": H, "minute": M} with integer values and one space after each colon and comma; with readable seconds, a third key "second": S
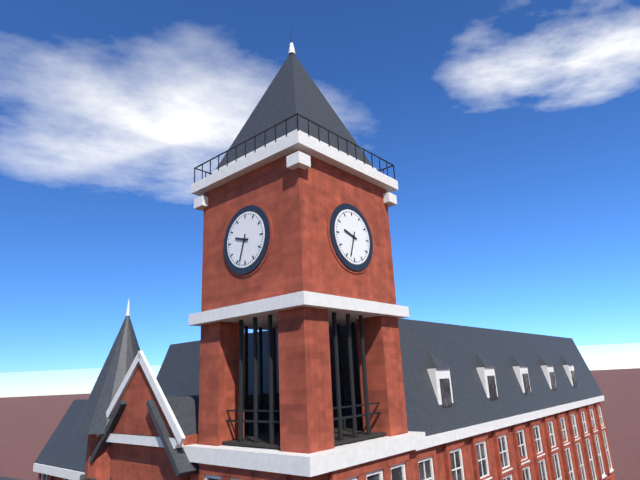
{"hour": 9, "minute": 33}
